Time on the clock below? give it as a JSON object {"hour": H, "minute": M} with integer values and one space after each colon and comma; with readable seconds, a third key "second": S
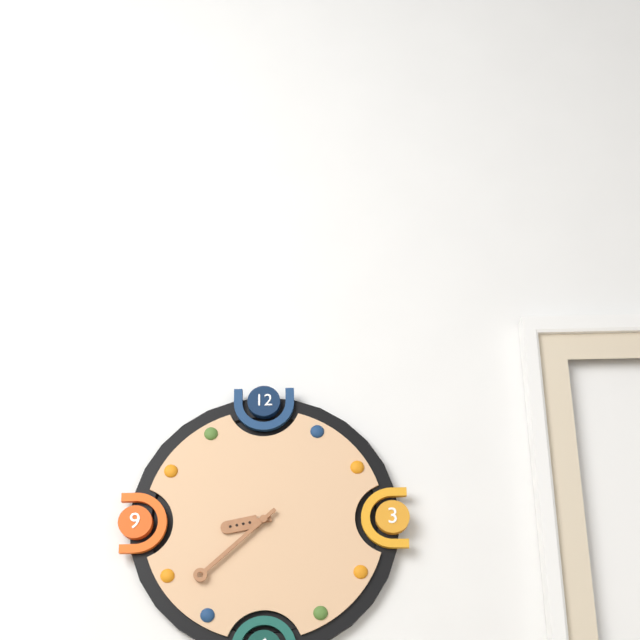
{"hour": 8, "minute": 38}
